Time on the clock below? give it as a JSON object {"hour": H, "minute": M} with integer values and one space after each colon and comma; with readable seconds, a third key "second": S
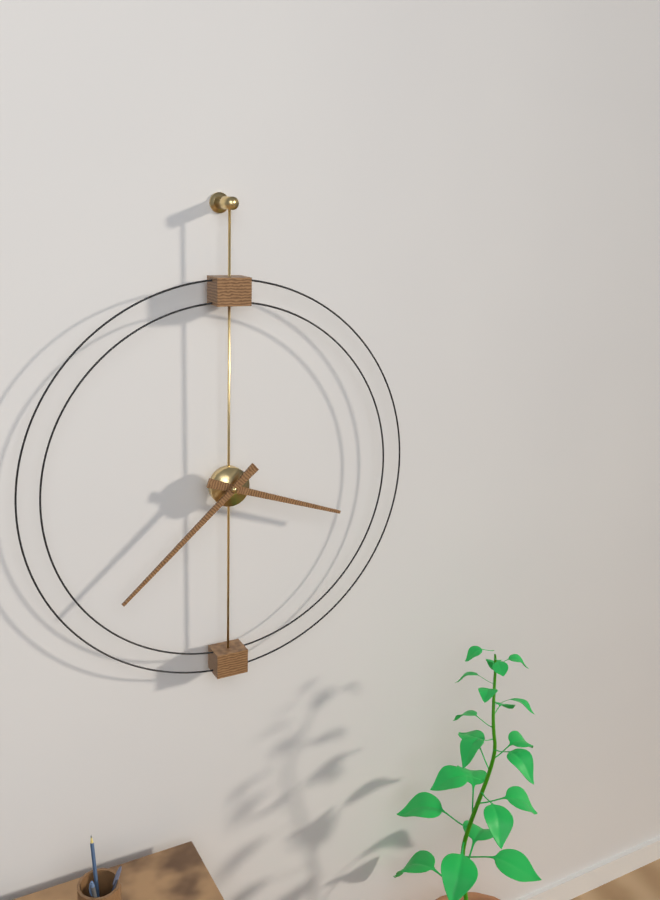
{"hour": 3, "minute": 38}
